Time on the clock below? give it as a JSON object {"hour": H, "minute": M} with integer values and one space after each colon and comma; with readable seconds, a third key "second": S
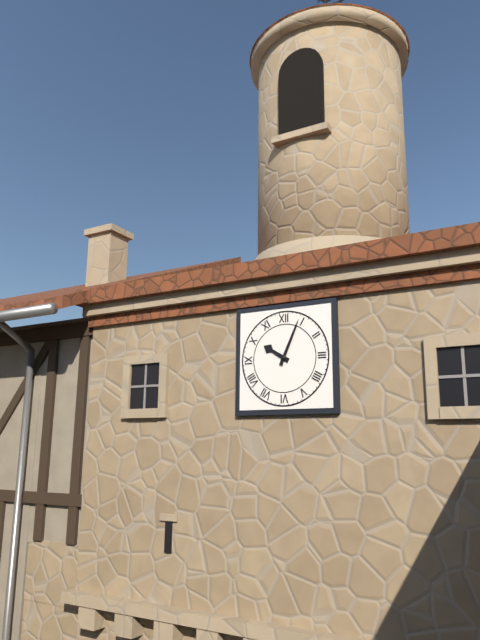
{"hour": 10, "minute": 4}
